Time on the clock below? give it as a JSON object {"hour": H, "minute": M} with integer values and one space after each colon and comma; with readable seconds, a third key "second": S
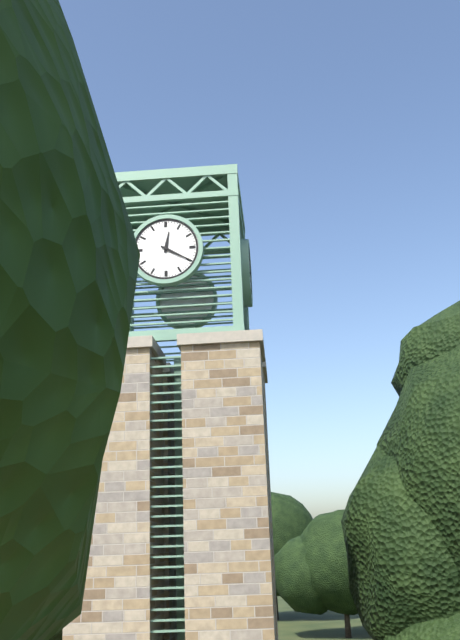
{"hour": 12, "minute": 20}
